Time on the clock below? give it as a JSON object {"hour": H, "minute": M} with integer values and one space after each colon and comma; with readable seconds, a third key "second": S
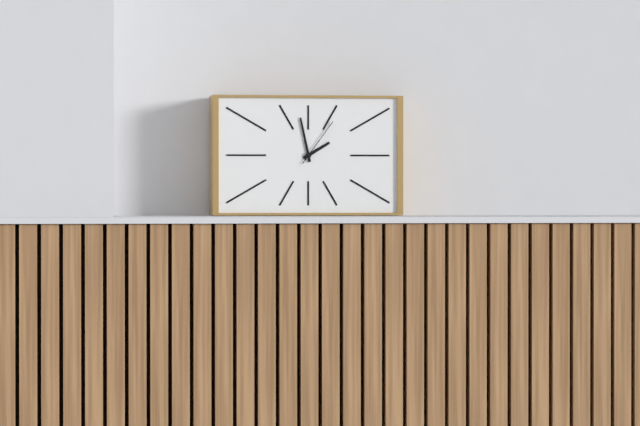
{"hour": 1, "minute": 58, "second": 6}
